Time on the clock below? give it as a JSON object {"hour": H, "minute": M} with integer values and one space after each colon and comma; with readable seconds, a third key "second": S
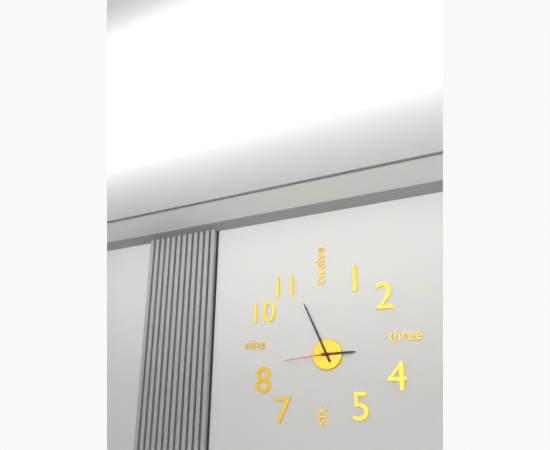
{"hour": 2, "minute": 56, "second": 44}
